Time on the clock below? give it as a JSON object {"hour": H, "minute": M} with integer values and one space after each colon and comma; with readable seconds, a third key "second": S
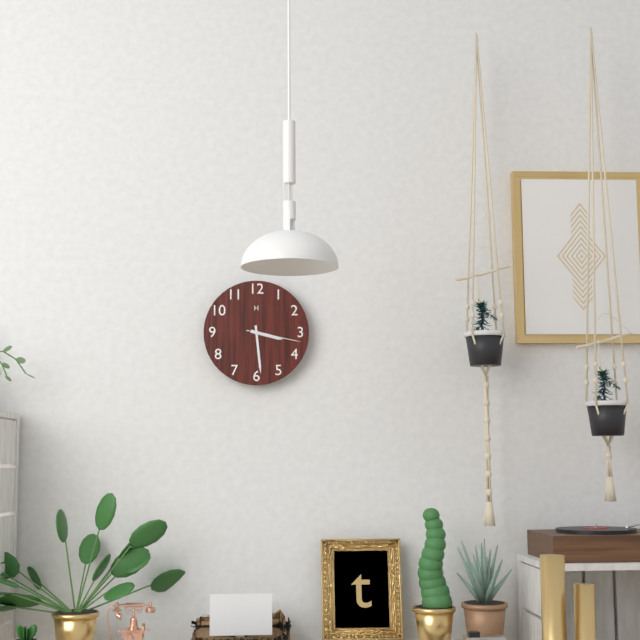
{"hour": 3, "minute": 29, "second": 17}
